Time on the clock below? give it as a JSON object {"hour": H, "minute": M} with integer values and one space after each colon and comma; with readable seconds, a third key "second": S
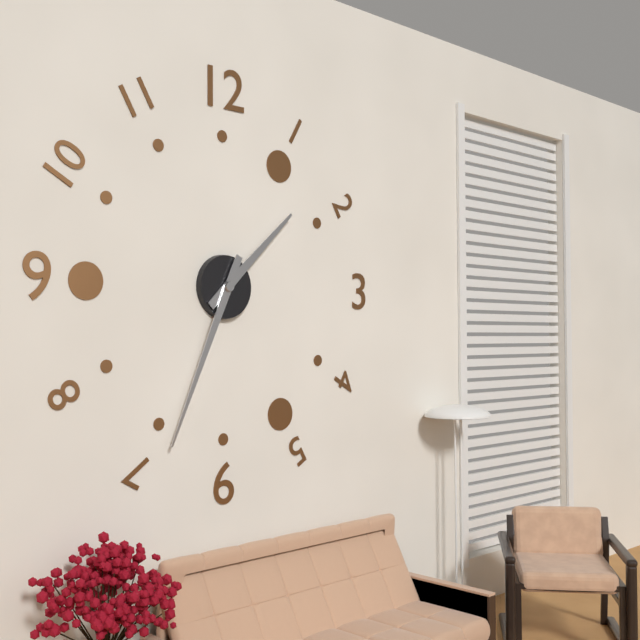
{"hour": 1, "minute": 34}
